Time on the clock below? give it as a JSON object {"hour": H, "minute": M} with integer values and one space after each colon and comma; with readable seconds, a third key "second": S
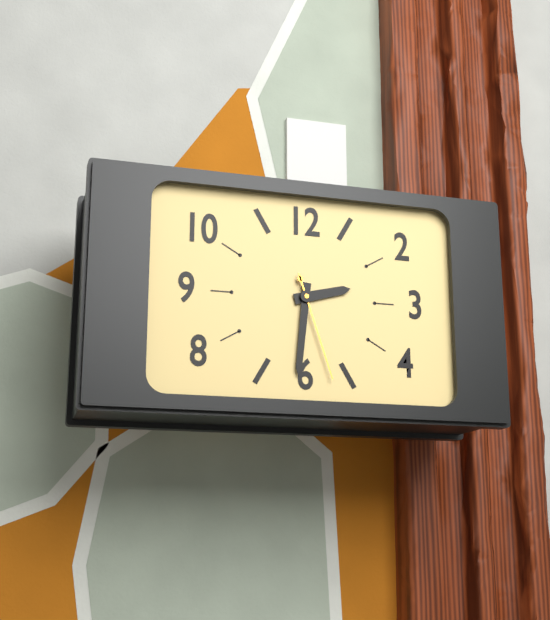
{"hour": 2, "minute": 31, "second": 27}
